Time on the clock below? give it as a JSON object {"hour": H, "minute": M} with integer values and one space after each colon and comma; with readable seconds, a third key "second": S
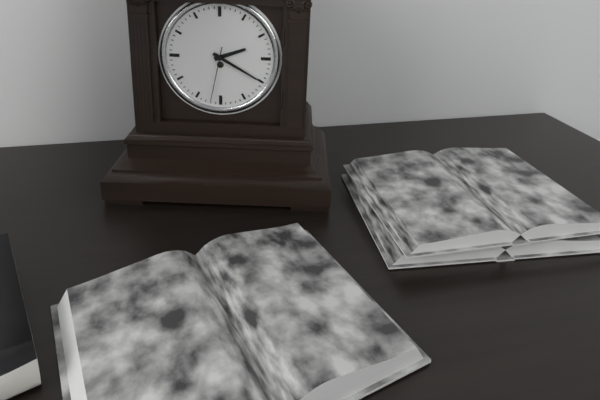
{"hour": 2, "minute": 20, "second": 32}
